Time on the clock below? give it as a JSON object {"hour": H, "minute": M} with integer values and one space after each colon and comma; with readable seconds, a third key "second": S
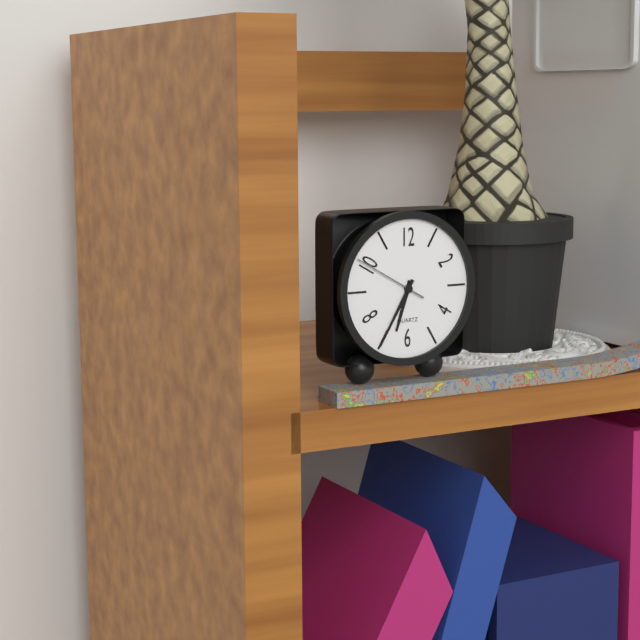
{"hour": 6, "minute": 35, "second": 50}
